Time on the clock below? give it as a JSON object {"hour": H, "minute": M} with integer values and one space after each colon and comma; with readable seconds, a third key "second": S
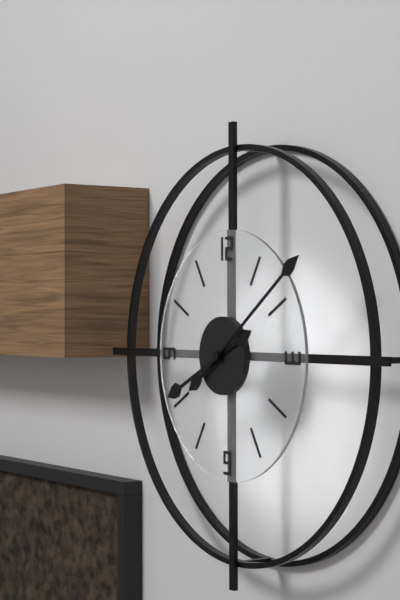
{"hour": 8, "minute": 9}
